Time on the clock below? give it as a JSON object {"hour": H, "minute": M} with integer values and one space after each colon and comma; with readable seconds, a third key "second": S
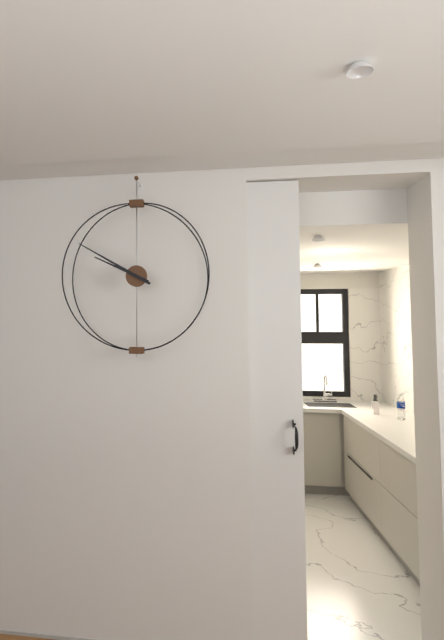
{"hour": 9, "minute": 50}
